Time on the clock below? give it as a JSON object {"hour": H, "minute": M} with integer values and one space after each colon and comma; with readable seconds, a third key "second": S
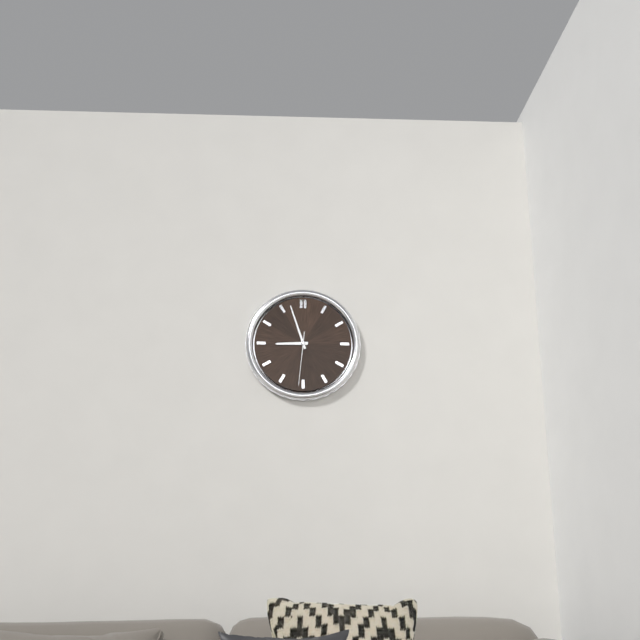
{"hour": 8, "minute": 57, "second": 31}
